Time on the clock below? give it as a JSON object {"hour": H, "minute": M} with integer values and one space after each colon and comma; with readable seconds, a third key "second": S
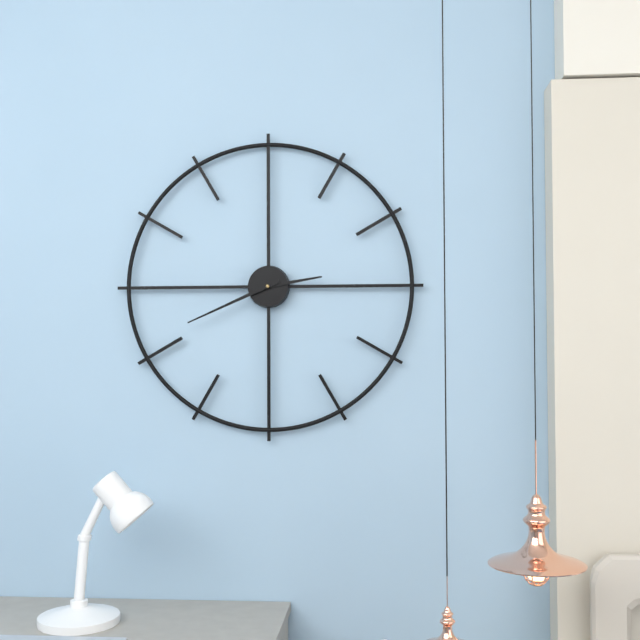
{"hour": 2, "minute": 41}
